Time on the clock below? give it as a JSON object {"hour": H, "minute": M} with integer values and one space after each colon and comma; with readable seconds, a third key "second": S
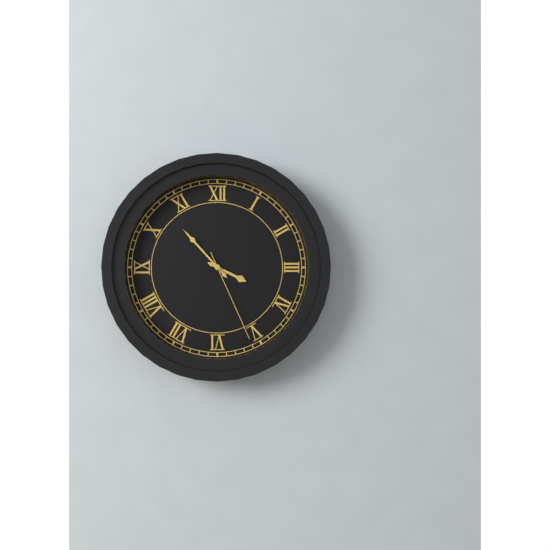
{"hour": 3, "minute": 53, "second": 26}
